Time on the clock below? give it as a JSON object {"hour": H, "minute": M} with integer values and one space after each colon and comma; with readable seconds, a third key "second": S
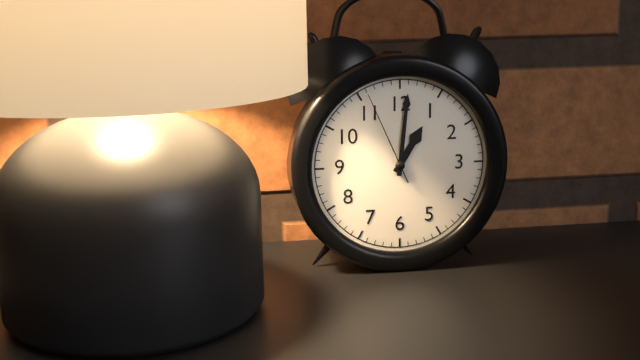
{"hour": 1, "minute": 1, "second": 56}
